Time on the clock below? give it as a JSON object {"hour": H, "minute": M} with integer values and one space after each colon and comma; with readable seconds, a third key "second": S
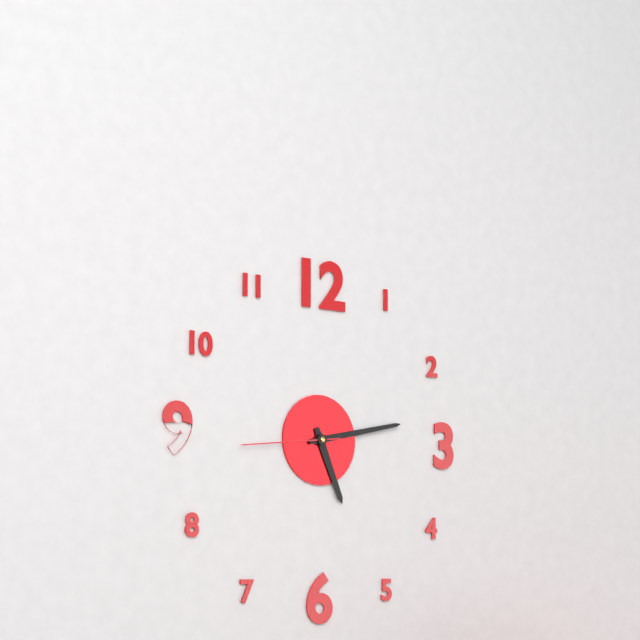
{"hour": 5, "minute": 13, "second": 44}
